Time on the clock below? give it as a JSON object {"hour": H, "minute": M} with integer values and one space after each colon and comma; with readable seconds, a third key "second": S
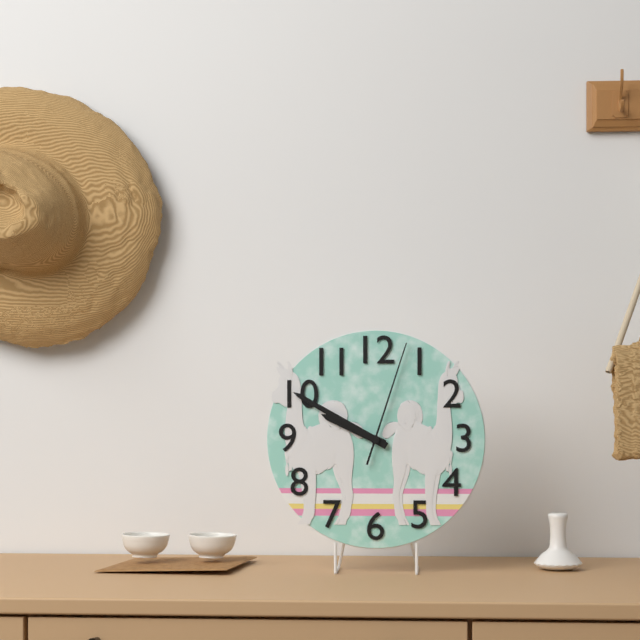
{"hour": 9, "minute": 50, "second": 3}
